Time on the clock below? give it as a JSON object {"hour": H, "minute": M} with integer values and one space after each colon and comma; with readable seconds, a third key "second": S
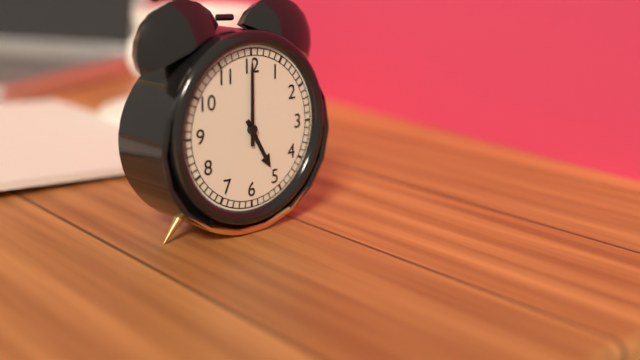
{"hour": 5, "minute": 0}
